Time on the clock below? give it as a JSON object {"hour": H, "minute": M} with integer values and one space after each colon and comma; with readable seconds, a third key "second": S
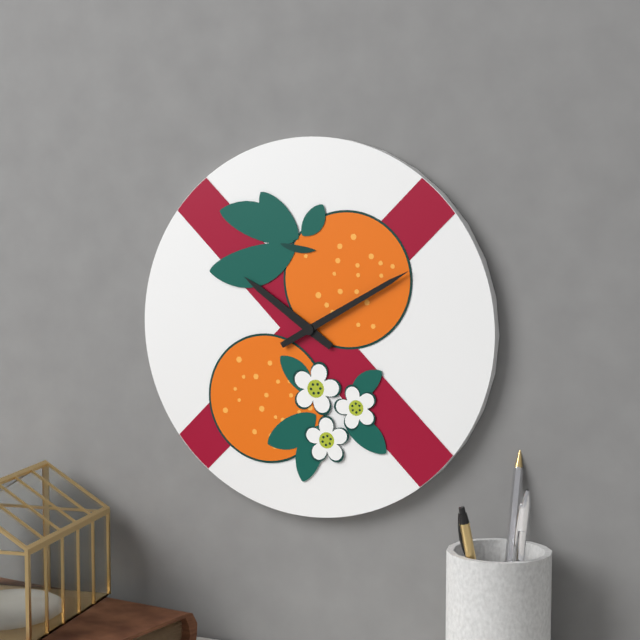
{"hour": 10, "minute": 10}
